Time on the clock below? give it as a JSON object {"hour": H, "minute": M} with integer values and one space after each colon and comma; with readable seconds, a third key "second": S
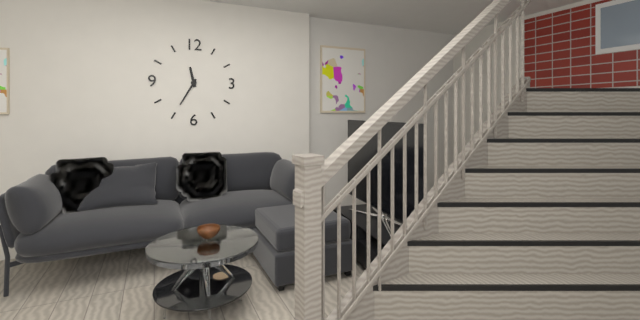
{"hour": 11, "minute": 35}
